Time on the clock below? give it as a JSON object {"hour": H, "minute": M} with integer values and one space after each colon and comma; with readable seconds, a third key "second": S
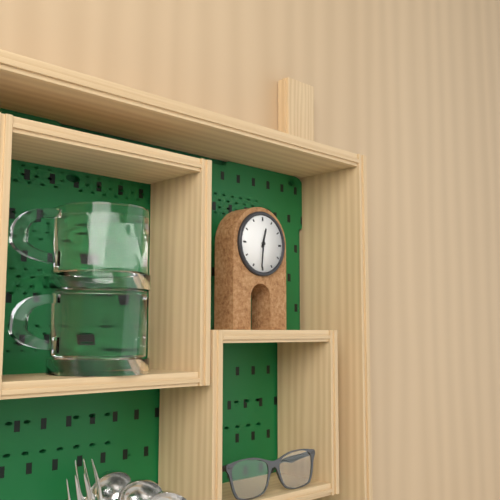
{"hour": 12, "minute": 31}
